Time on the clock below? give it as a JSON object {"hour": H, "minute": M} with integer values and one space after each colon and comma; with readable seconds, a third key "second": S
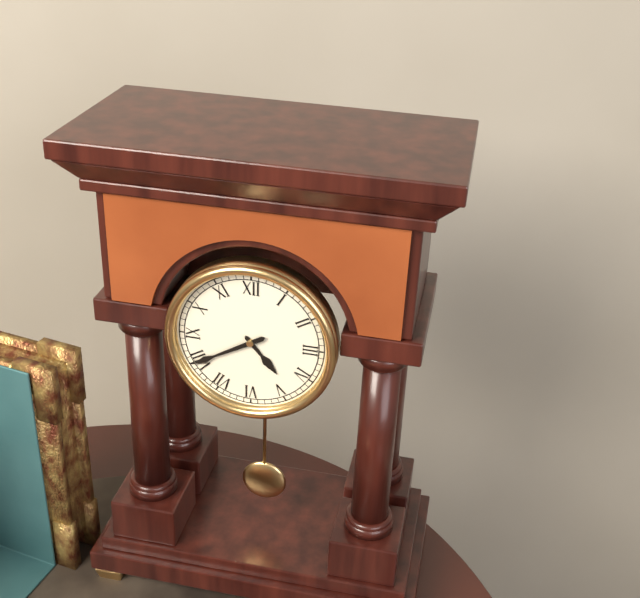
{"hour": 4, "minute": 40}
